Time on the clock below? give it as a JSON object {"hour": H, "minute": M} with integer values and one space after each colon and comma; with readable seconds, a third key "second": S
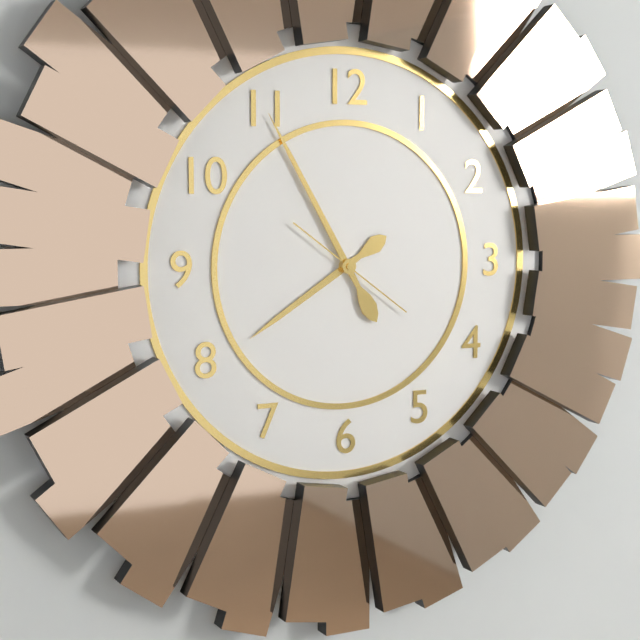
{"hour": 7, "minute": 55, "second": 21}
